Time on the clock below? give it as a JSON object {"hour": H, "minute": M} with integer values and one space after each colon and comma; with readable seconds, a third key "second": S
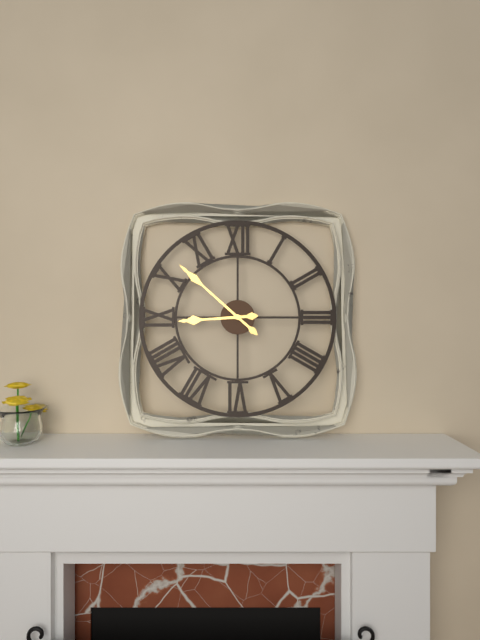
{"hour": 8, "minute": 52}
